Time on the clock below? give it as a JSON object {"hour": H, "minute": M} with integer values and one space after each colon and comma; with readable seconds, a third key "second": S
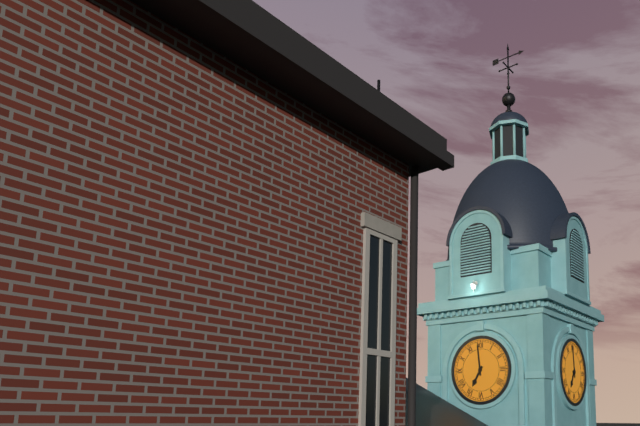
{"hour": 6, "minute": 59}
